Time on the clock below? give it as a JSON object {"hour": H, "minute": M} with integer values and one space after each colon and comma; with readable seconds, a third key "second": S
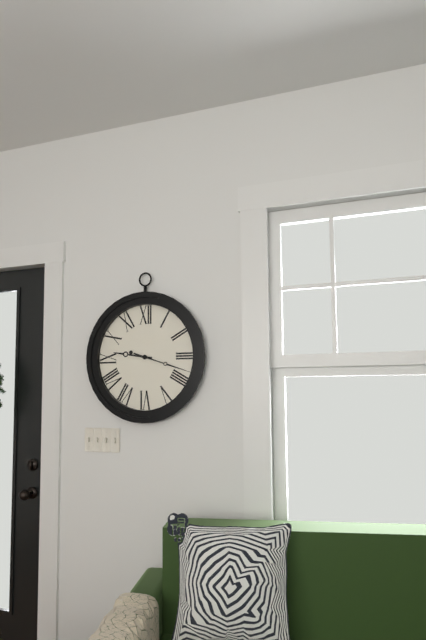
{"hour": 9, "minute": 18}
